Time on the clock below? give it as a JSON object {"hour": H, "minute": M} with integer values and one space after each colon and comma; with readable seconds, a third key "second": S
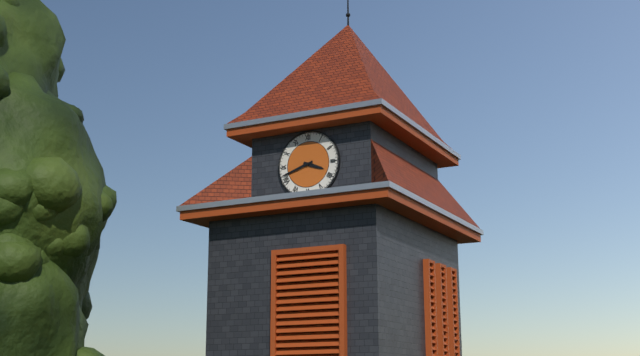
{"hour": 3, "minute": 42}
